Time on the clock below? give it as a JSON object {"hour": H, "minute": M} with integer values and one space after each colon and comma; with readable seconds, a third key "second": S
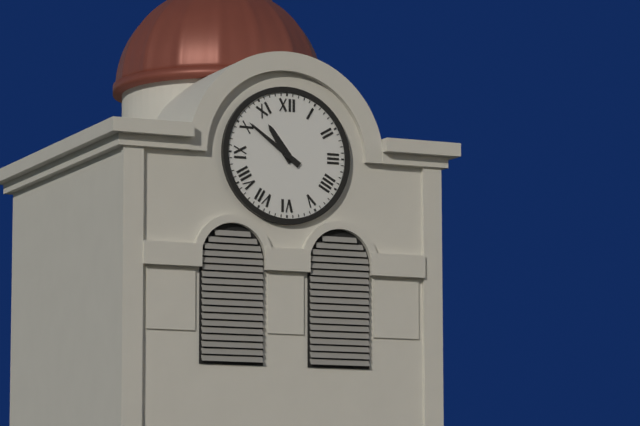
{"hour": 10, "minute": 51}
